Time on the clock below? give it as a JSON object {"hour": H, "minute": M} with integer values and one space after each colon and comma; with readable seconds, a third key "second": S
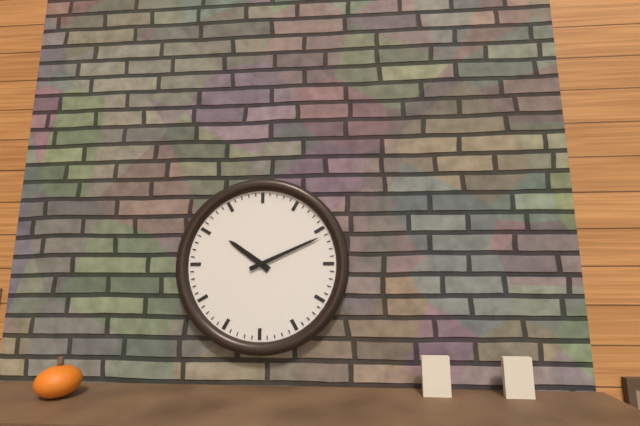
{"hour": 10, "minute": 11}
